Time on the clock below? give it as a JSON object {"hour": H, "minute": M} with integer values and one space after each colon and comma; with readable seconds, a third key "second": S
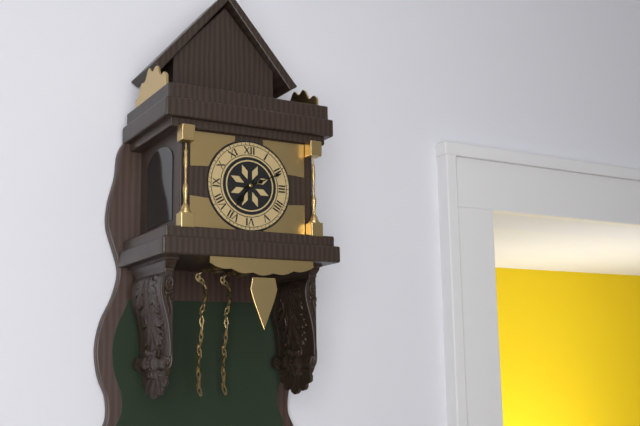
{"hour": 7, "minute": 11}
